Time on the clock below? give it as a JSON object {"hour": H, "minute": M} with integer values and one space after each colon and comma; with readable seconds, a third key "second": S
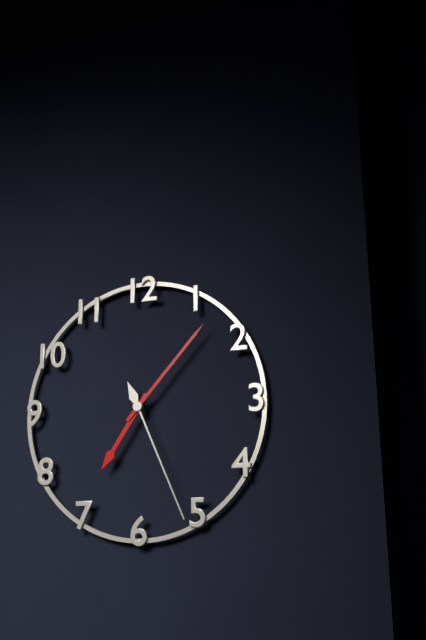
{"hour": 7, "minute": 7, "second": 26}
